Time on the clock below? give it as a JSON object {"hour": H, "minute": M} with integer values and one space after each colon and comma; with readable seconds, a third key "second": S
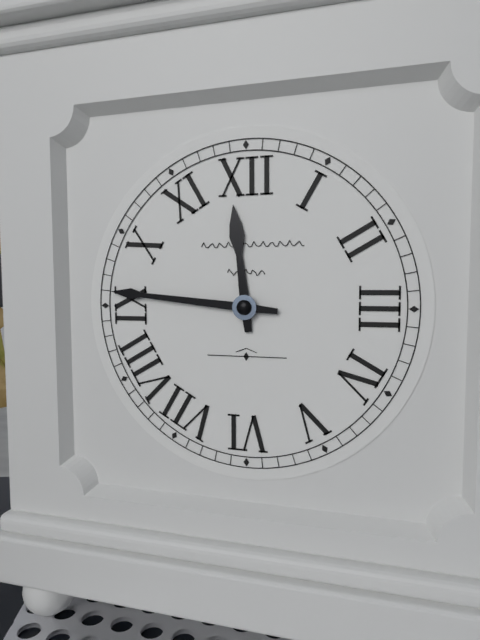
{"hour": 11, "minute": 46}
